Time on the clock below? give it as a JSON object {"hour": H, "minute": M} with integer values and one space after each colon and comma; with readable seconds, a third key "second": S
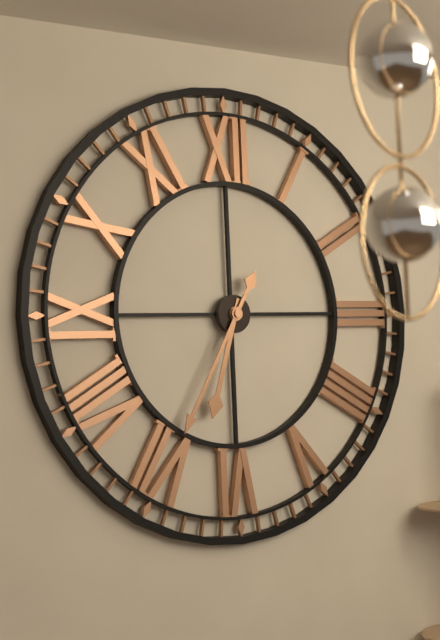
{"hour": 6, "minute": 35}
